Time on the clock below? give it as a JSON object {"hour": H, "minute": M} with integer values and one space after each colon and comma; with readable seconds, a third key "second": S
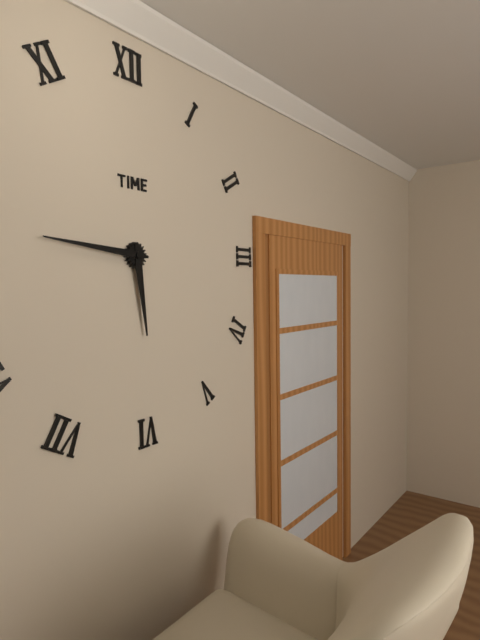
{"hour": 5, "minute": 46}
